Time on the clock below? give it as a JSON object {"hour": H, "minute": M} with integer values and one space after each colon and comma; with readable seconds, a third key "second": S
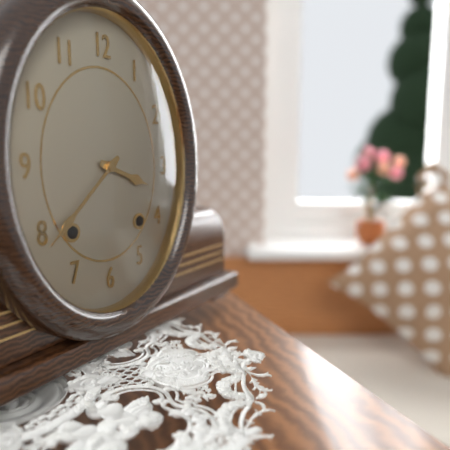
{"hour": 3, "minute": 38}
